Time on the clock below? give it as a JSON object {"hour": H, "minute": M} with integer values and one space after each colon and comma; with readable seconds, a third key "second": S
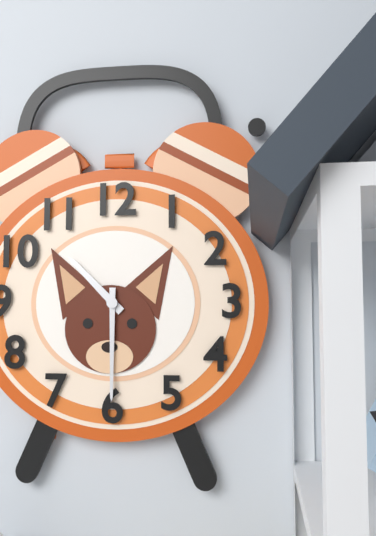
{"hour": 10, "minute": 30}
